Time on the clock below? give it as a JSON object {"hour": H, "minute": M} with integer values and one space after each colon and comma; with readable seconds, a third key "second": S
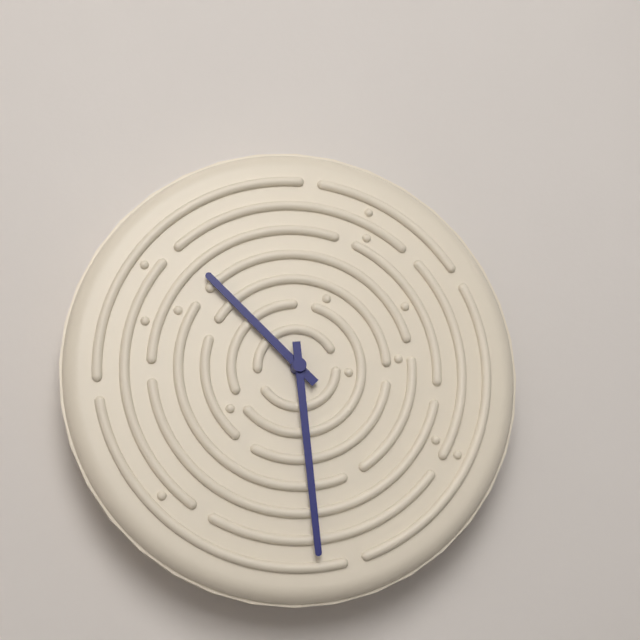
{"hour": 10, "minute": 29}
